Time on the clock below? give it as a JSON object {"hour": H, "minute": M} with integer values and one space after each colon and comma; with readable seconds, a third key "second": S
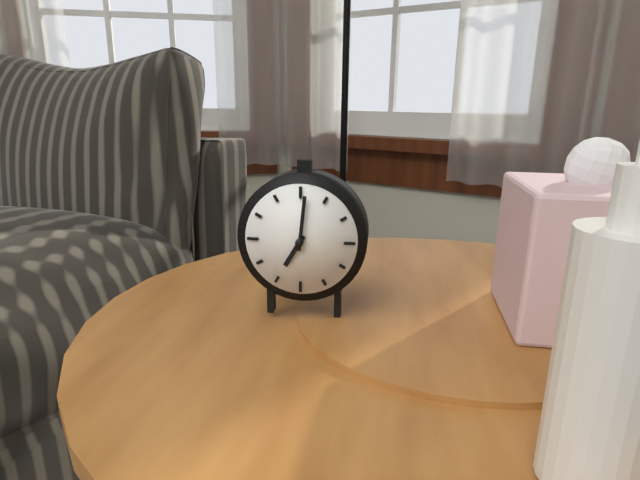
{"hour": 7, "minute": 1}
